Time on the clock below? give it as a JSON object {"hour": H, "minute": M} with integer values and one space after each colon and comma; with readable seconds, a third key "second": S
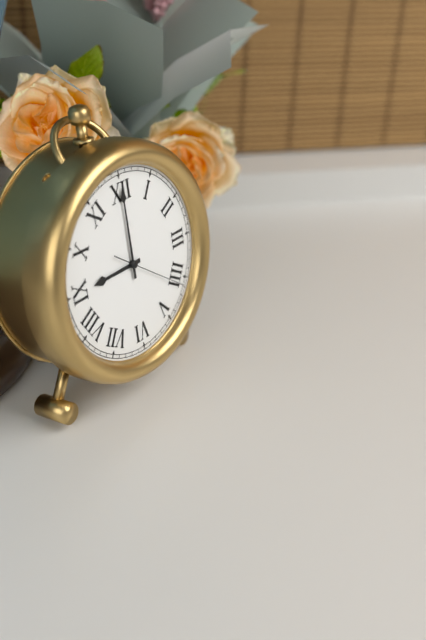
{"hour": 9, "minute": 0, "second": 21}
